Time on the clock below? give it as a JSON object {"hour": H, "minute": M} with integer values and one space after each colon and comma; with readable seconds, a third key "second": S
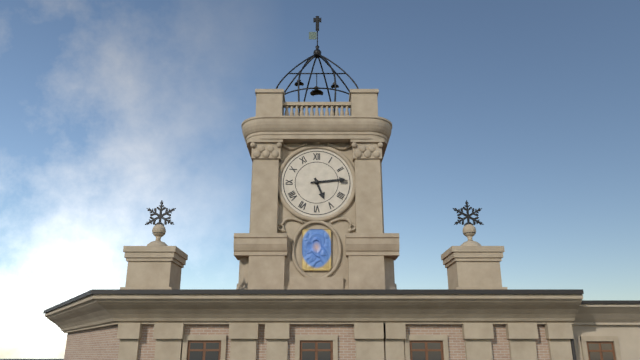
{"hour": 5, "minute": 14}
